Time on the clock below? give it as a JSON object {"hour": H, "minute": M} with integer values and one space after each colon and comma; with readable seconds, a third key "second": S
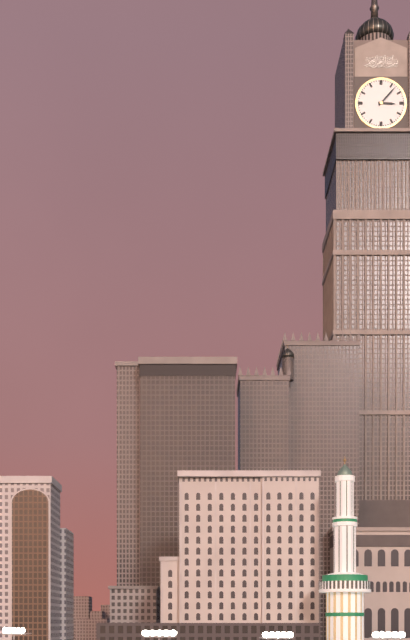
{"hour": 3, "minute": 7}
